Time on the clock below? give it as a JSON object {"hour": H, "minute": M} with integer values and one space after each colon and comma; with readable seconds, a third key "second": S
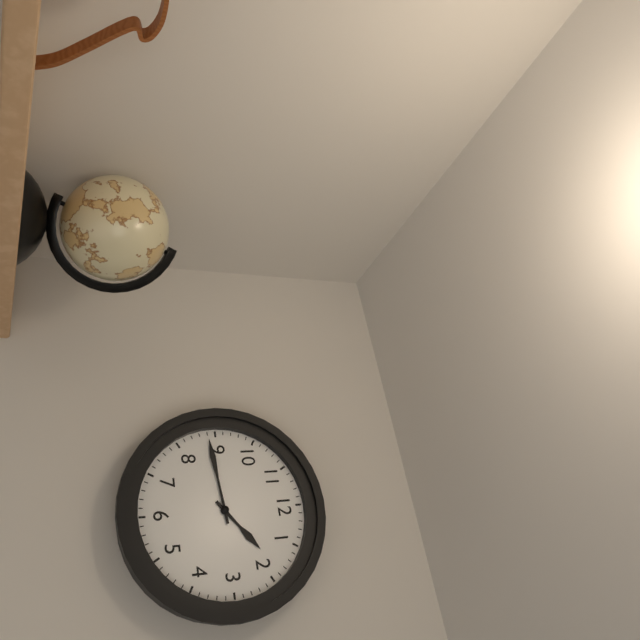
{"hour": 1, "minute": 44}
